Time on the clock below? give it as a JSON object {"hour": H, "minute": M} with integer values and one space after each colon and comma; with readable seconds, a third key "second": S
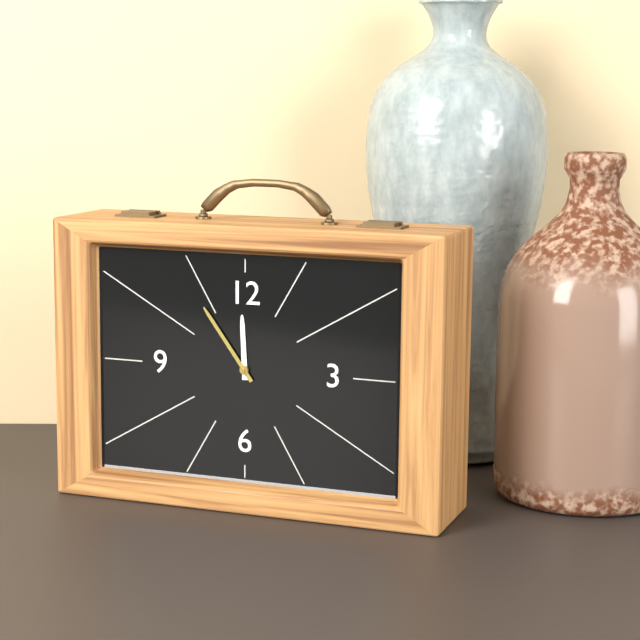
{"hour": 11, "minute": 54}
